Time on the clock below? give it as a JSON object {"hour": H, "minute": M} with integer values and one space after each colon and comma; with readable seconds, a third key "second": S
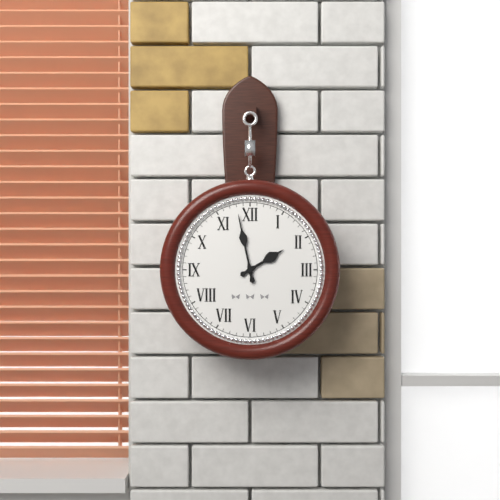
{"hour": 1, "minute": 58}
